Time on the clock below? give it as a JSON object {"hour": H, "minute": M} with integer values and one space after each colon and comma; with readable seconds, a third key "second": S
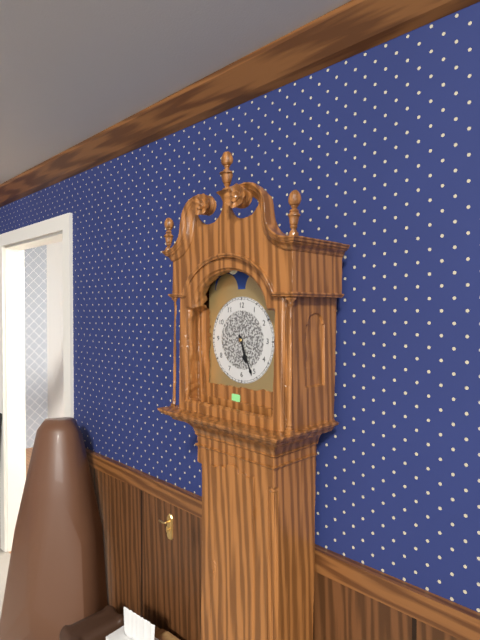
{"hour": 5, "minute": 26}
